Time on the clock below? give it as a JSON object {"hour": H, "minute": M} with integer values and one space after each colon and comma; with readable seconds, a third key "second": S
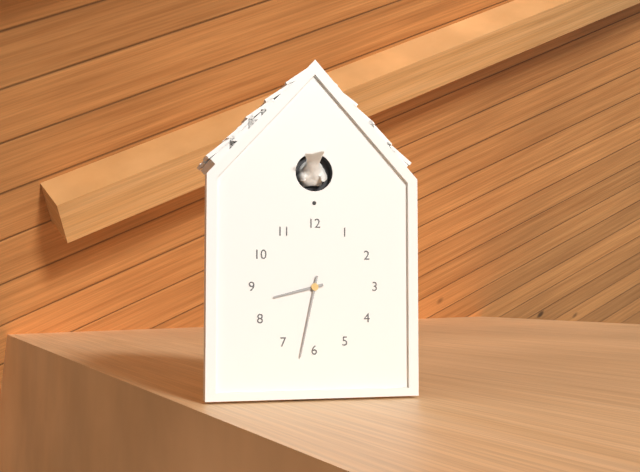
{"hour": 8, "minute": 32}
